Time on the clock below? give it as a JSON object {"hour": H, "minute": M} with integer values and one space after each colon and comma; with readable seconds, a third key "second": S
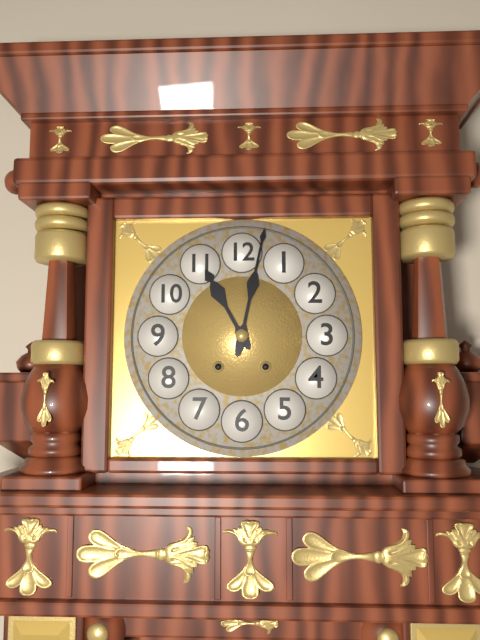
{"hour": 11, "minute": 2}
